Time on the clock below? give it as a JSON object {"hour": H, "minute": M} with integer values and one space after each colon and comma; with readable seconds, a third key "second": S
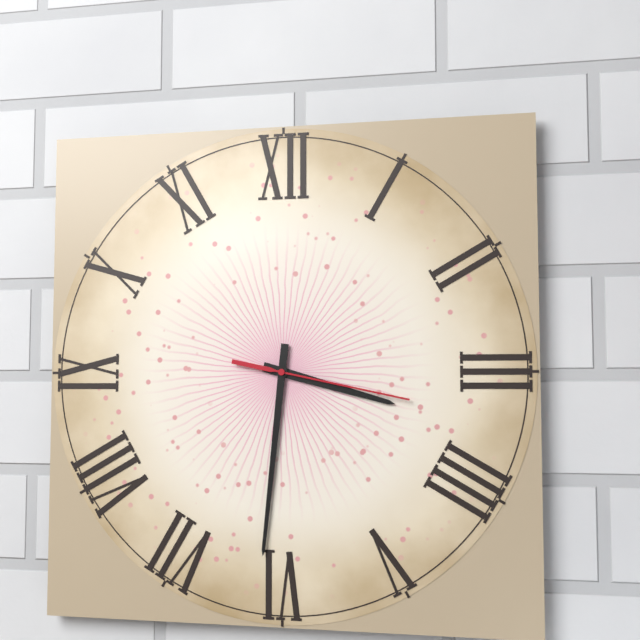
{"hour": 3, "minute": 31, "second": 17}
